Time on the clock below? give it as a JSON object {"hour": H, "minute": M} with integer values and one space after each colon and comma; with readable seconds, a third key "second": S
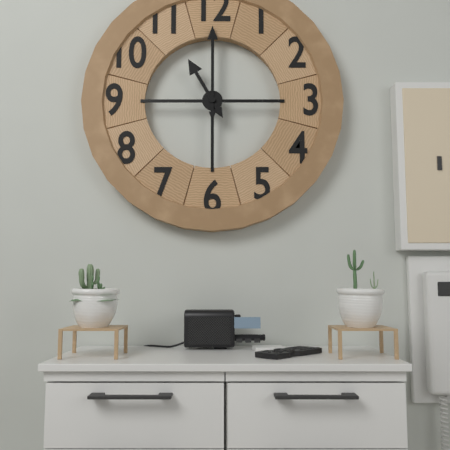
{"hour": 11, "minute": 0}
